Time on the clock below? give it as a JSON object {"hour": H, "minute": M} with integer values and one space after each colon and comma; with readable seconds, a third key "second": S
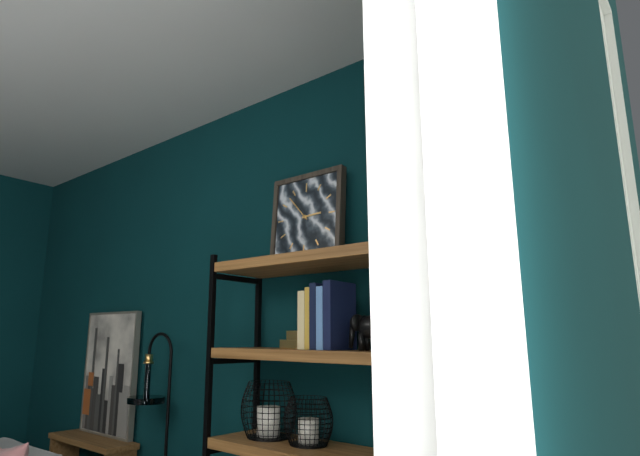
{"hour": 2, "minute": 53}
